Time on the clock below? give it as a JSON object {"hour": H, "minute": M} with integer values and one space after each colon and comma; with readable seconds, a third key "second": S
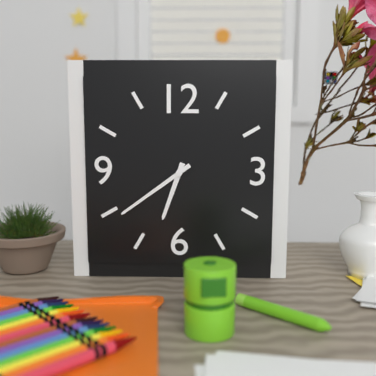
{"hour": 6, "minute": 39}
